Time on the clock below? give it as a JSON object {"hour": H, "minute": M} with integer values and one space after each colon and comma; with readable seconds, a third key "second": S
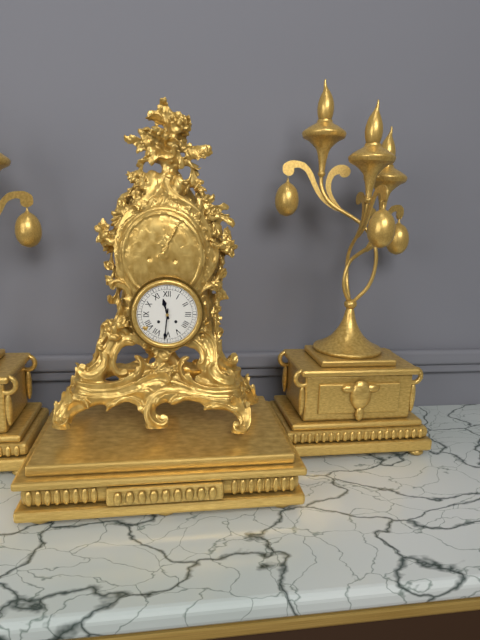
{"hour": 11, "minute": 31}
